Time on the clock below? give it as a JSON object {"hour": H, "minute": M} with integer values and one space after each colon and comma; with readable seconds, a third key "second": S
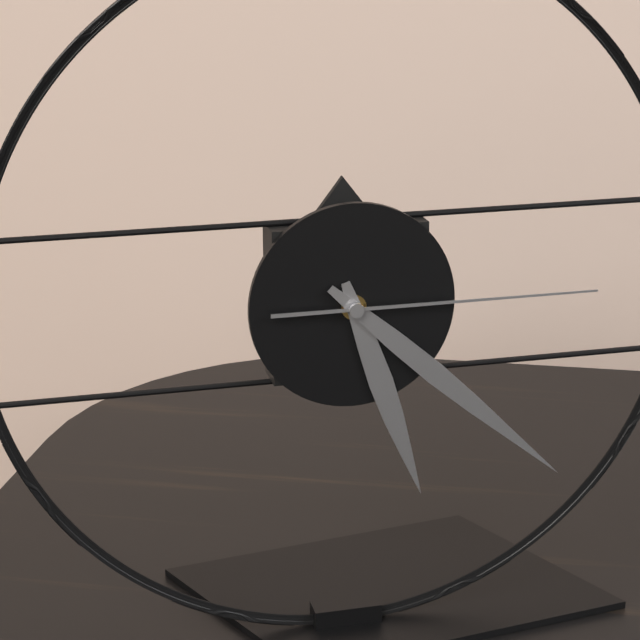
{"hour": 5, "minute": 22, "second": 15}
